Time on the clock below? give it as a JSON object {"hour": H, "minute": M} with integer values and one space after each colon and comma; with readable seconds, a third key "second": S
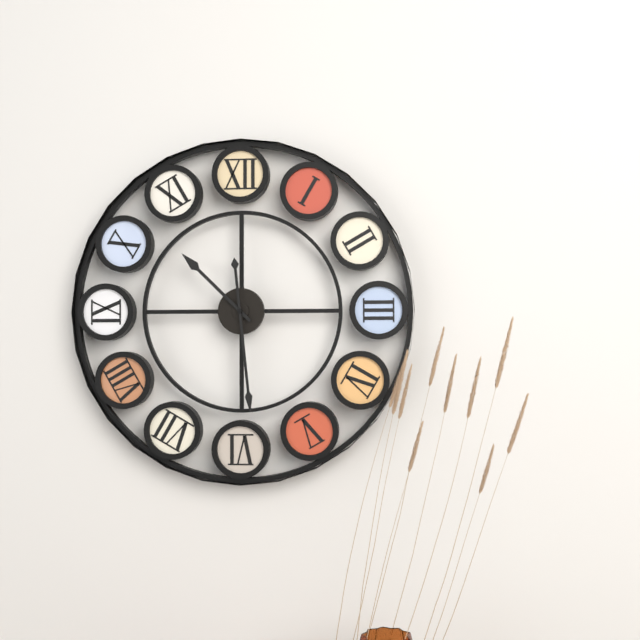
{"hour": 10, "minute": 29}
